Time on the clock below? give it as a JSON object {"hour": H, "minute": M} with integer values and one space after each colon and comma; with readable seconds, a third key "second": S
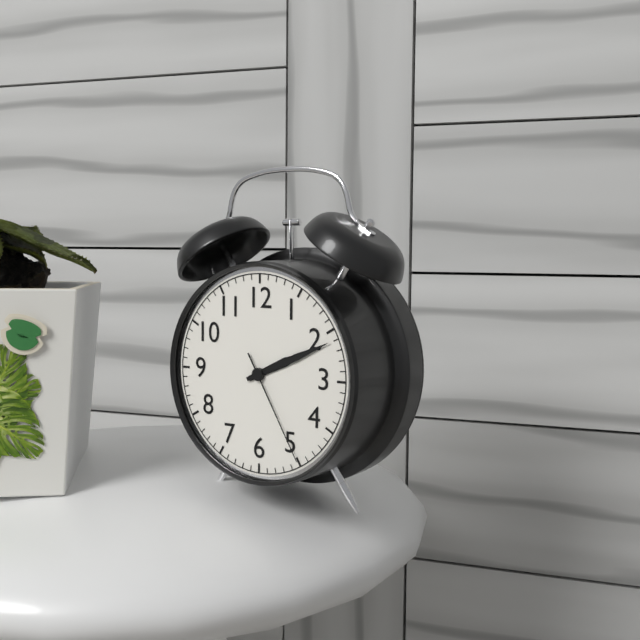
{"hour": 2, "minute": 11, "second": 25}
